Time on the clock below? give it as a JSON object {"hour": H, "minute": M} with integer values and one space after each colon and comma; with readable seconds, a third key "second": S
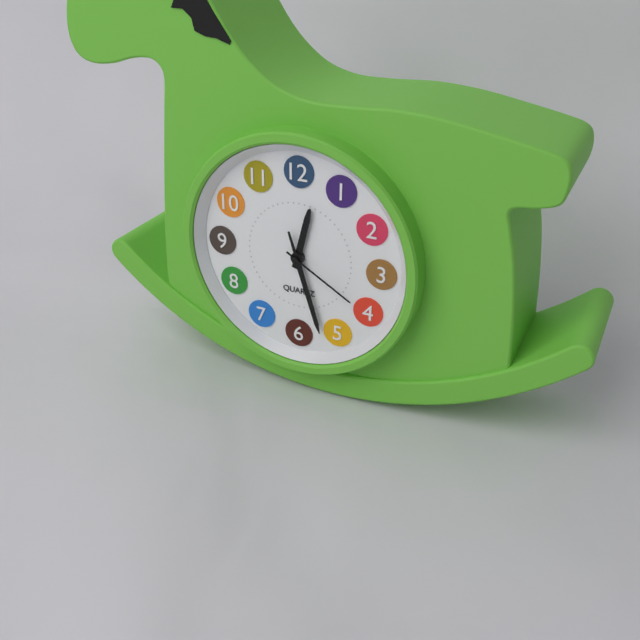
{"hour": 12, "minute": 27, "second": 20}
